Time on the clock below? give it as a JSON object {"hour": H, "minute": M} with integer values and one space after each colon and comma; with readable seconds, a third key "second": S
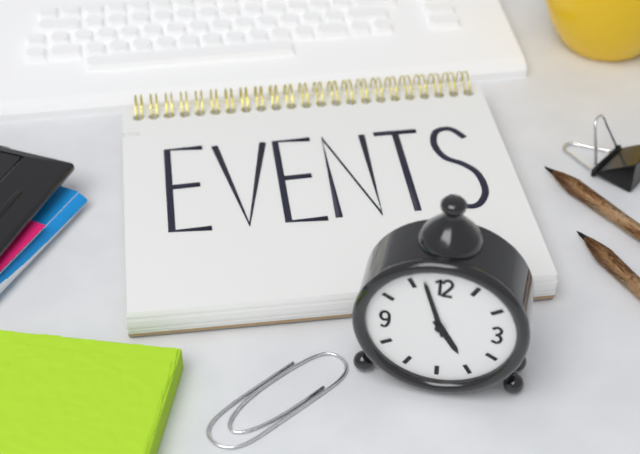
{"hour": 4, "minute": 57}
